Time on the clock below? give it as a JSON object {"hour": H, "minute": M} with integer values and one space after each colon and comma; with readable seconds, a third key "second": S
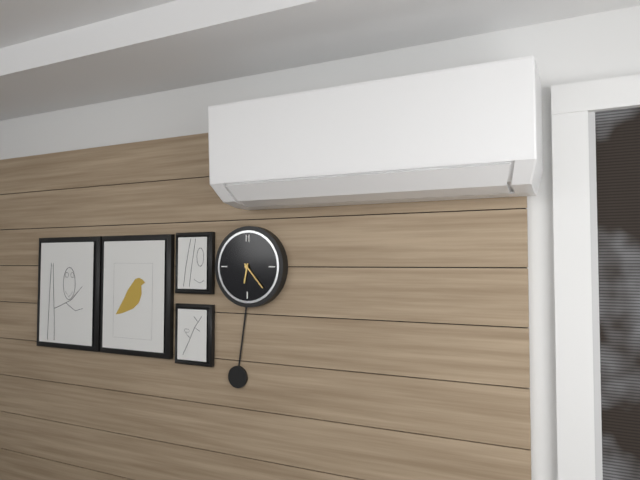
{"hour": 6, "minute": 23}
